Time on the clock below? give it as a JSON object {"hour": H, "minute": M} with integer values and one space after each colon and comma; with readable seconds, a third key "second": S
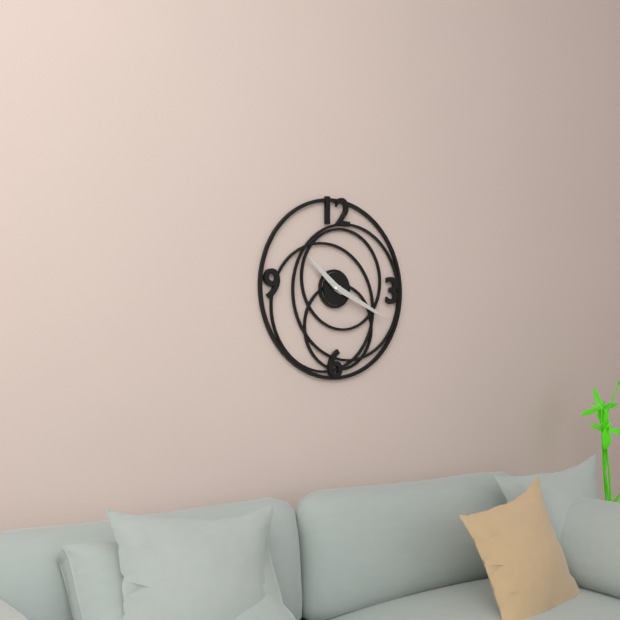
{"hour": 10, "minute": 19}
